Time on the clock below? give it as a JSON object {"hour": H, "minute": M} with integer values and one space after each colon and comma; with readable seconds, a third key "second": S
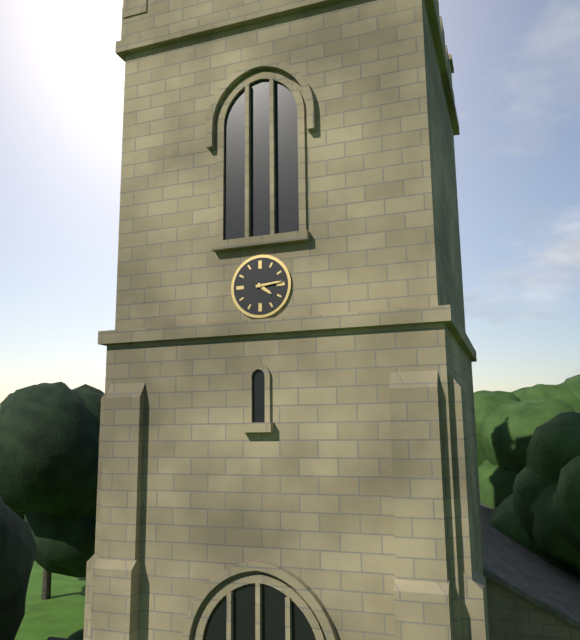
{"hour": 4, "minute": 14}
